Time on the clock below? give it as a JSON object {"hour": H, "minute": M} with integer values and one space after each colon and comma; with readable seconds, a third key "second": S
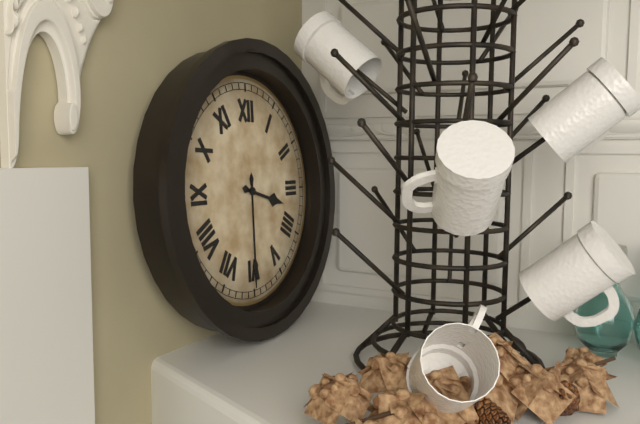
{"hour": 3, "minute": 30}
